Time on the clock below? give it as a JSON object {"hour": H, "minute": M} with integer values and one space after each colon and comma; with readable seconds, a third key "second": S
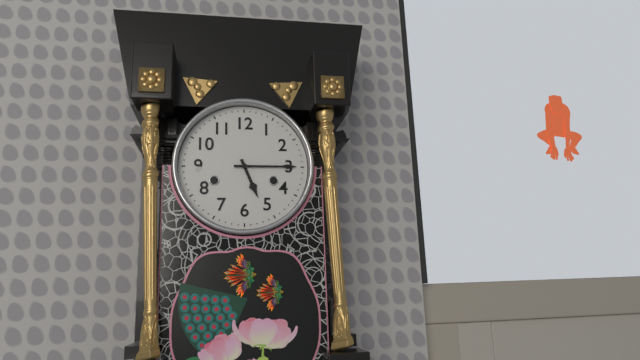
{"hour": 5, "minute": 15}
